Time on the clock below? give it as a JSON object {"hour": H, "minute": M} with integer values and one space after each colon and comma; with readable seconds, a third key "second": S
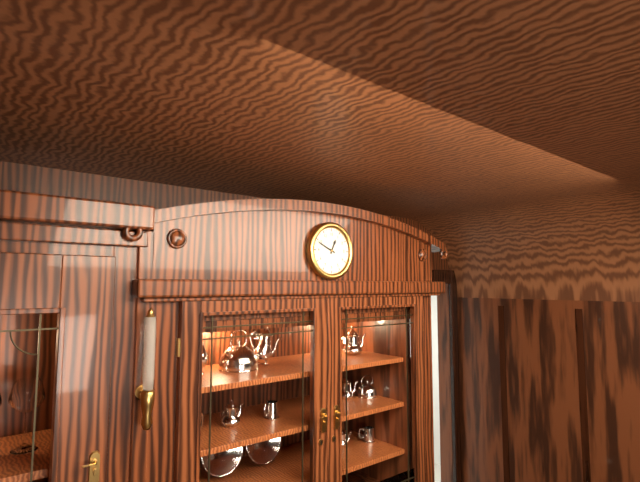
{"hour": 12, "minute": 49}
